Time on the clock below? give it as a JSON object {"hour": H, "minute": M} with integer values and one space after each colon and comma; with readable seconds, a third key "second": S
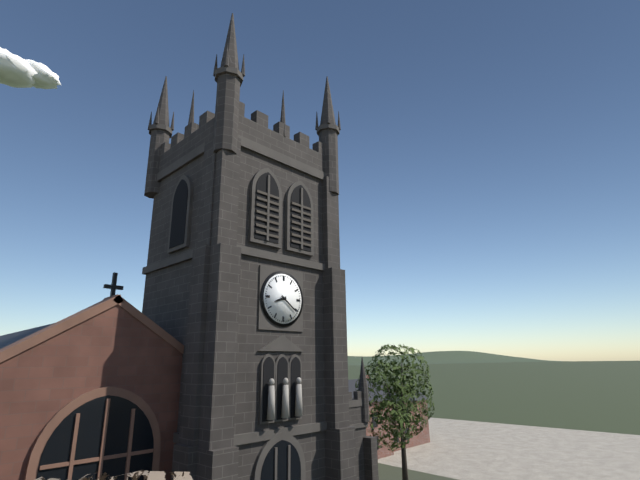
{"hour": 8, "minute": 21}
